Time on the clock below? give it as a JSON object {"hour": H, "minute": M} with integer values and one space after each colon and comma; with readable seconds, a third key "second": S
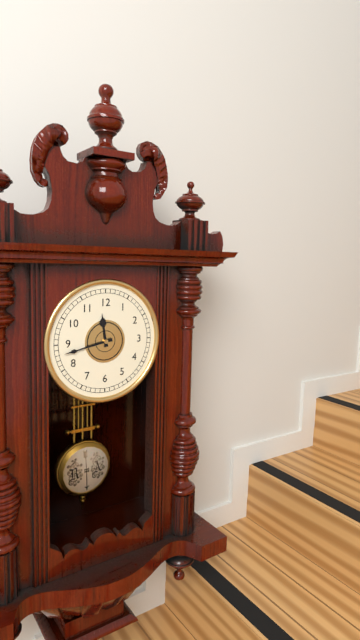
{"hour": 11, "minute": 43}
